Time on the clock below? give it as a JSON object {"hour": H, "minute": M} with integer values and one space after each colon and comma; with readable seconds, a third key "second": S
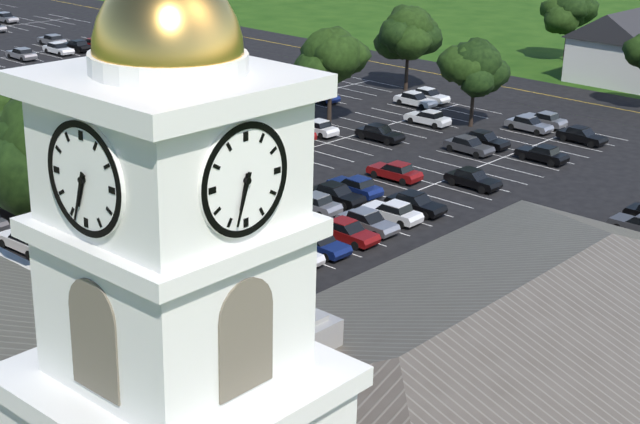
{"hour": 6, "minute": 33}
